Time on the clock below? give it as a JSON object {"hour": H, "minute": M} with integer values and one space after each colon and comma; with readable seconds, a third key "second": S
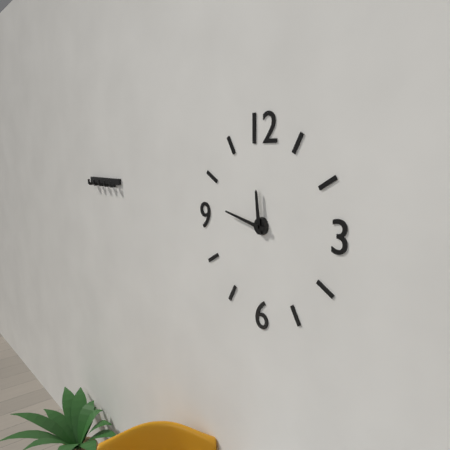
{"hour": 11, "minute": 47}
